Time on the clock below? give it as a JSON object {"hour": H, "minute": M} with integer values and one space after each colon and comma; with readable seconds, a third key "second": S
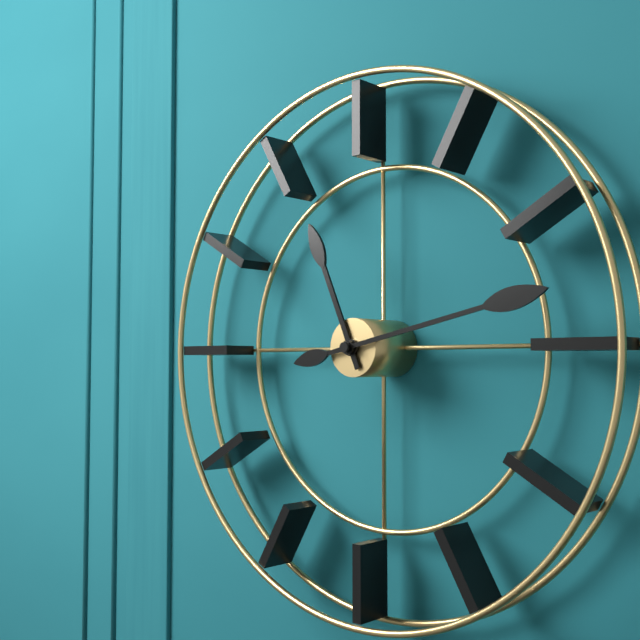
{"hour": 11, "minute": 13}
